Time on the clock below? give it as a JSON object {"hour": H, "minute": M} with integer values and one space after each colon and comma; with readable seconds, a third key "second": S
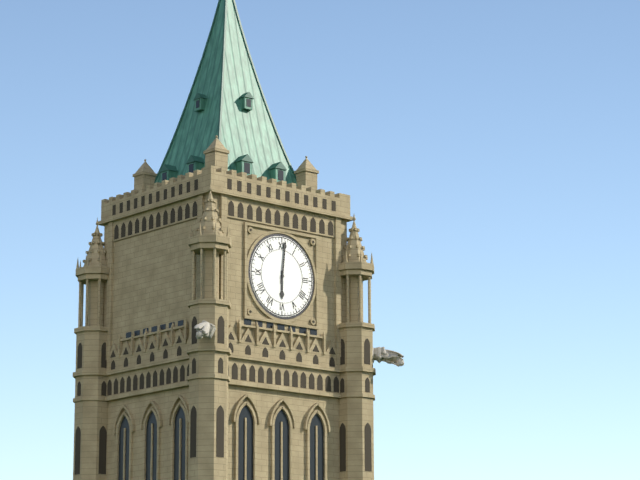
{"hour": 6, "minute": 1}
